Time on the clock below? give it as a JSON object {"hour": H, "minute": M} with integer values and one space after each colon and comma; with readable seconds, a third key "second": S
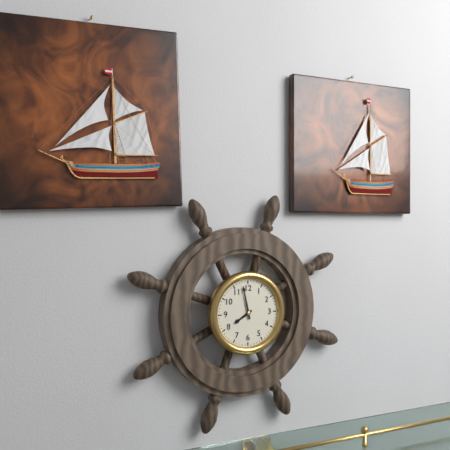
{"hour": 7, "minute": 58}
